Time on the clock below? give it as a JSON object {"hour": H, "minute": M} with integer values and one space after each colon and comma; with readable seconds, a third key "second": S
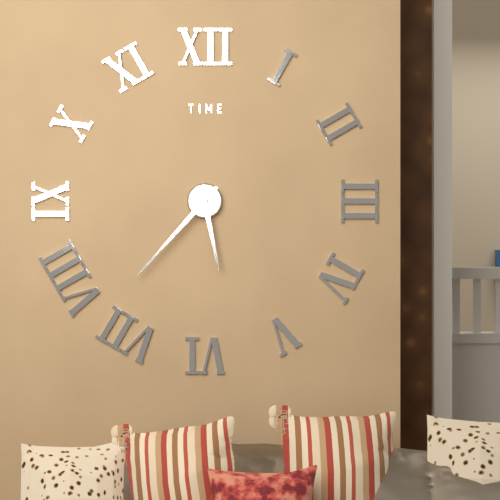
{"hour": 5, "minute": 37}
